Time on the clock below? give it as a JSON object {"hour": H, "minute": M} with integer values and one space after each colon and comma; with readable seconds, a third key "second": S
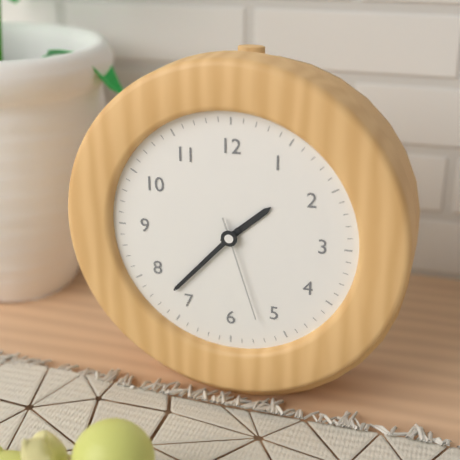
{"hour": 1, "minute": 37, "second": 27}
